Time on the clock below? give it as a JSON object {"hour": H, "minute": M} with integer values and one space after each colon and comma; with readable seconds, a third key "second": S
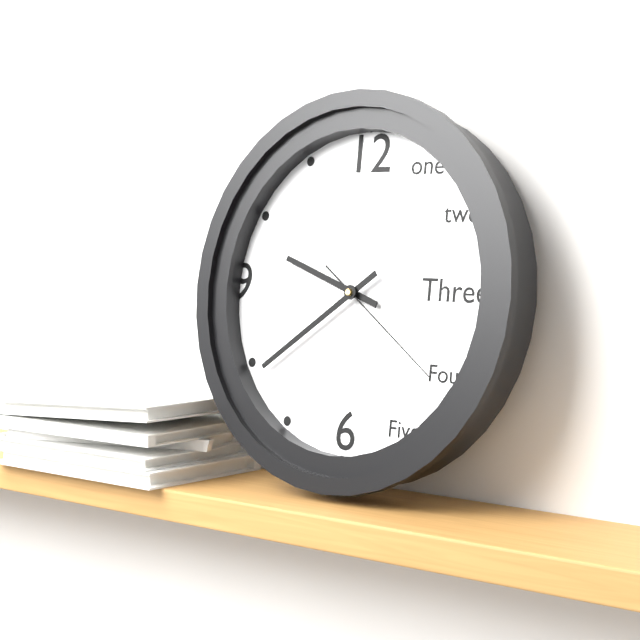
{"hour": 9, "minute": 39, "second": 21}
